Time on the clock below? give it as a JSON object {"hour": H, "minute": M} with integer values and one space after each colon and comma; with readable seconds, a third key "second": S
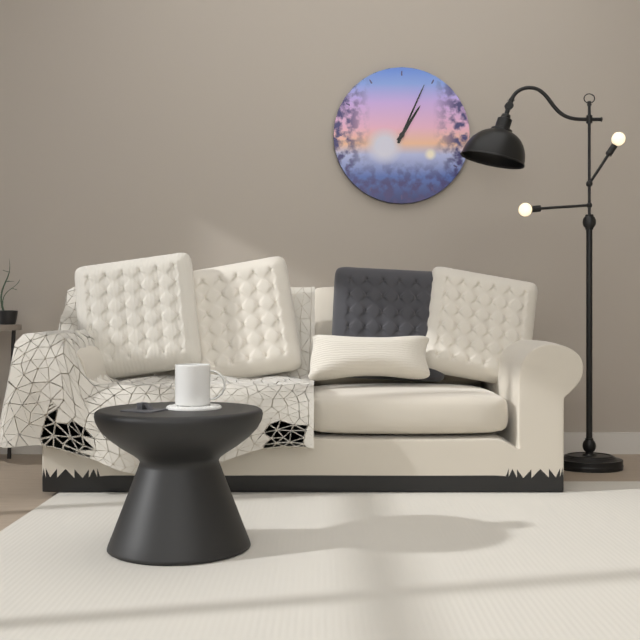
{"hour": 1, "minute": 4}
